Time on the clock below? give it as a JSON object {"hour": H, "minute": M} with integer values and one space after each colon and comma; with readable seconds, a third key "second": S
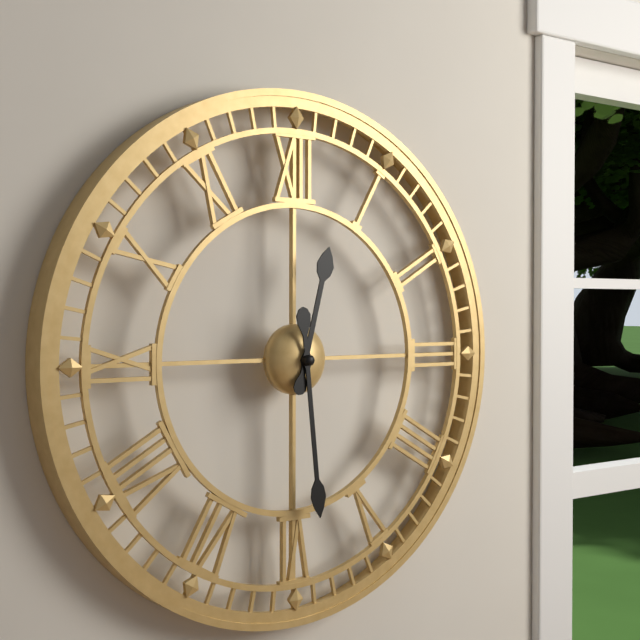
{"hour": 12, "minute": 29}
